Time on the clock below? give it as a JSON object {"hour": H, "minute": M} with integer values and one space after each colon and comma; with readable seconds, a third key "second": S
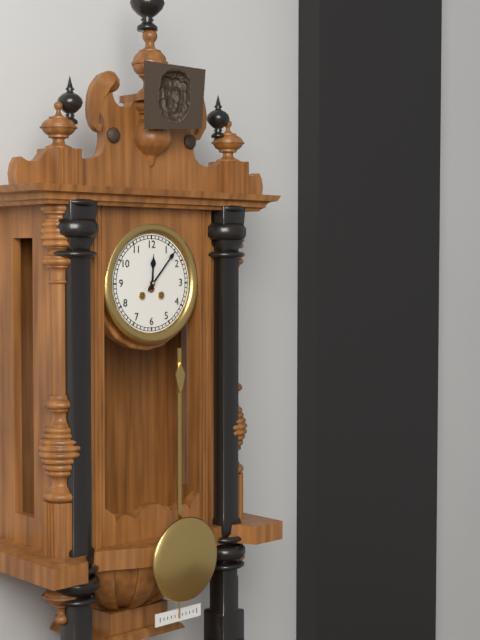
{"hour": 12, "minute": 7}
